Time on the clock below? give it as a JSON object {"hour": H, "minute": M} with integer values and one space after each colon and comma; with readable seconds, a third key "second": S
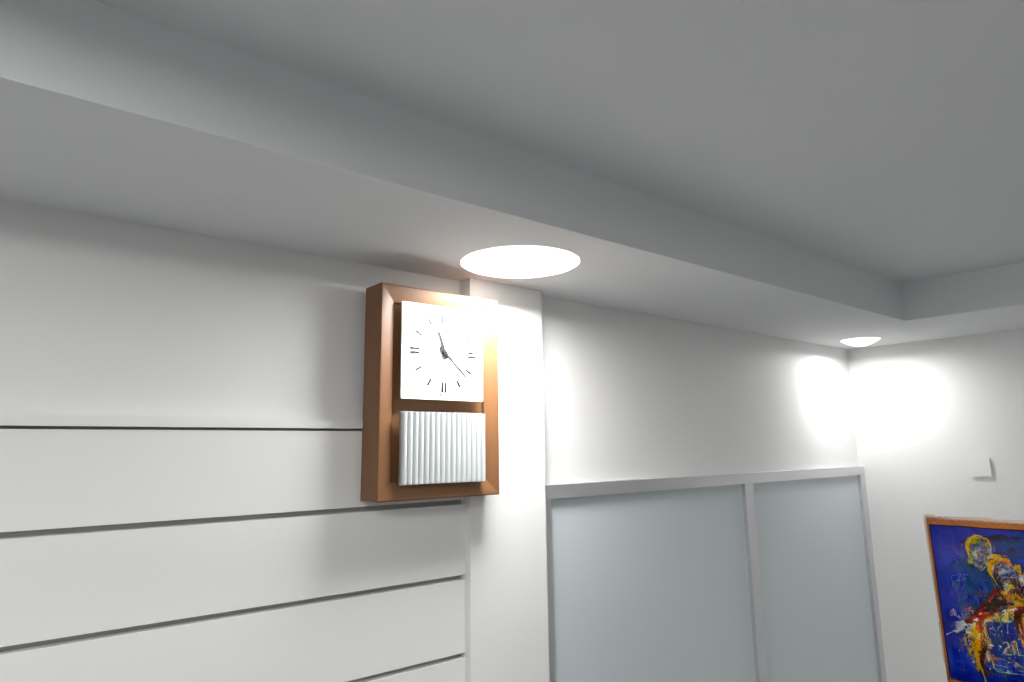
{"hour": 11, "minute": 22}
